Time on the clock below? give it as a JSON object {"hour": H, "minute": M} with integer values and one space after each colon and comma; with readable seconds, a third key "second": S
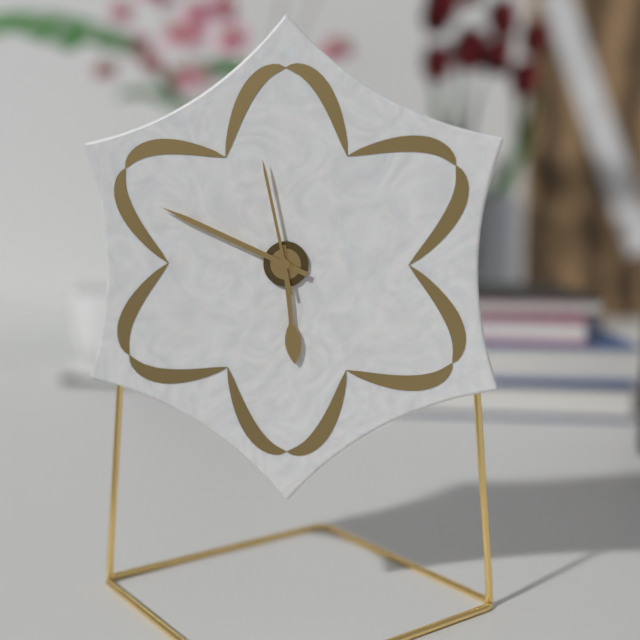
{"hour": 5, "minute": 49, "second": 58}
